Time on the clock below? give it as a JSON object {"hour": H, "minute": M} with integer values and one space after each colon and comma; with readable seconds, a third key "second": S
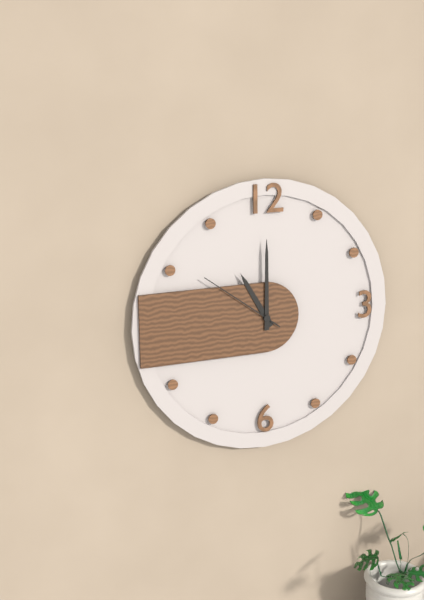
{"hour": 11, "minute": 0, "second": 51}
